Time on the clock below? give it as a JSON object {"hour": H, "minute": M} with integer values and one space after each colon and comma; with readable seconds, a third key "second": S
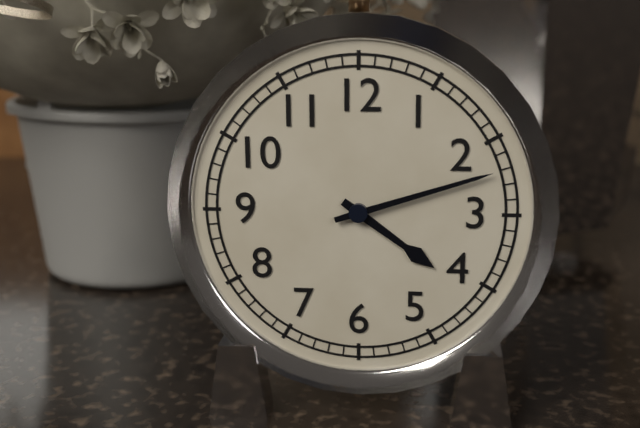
{"hour": 4, "minute": 12}
